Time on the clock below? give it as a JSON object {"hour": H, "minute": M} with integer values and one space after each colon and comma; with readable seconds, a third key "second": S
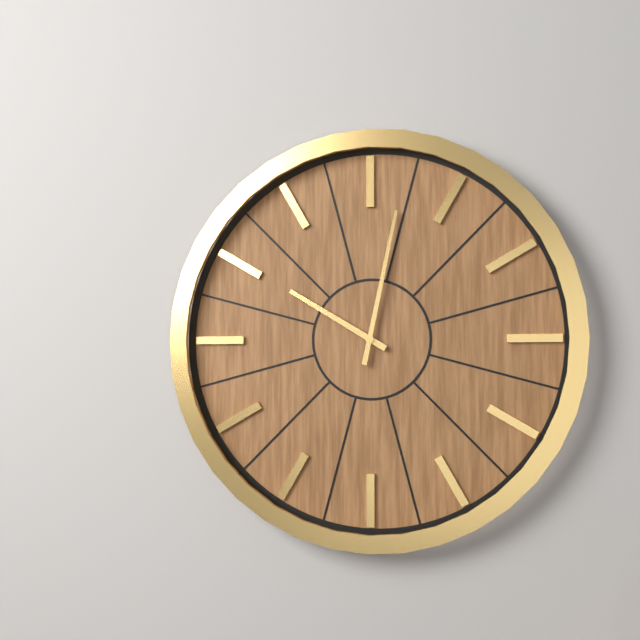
{"hour": 10, "minute": 2}
